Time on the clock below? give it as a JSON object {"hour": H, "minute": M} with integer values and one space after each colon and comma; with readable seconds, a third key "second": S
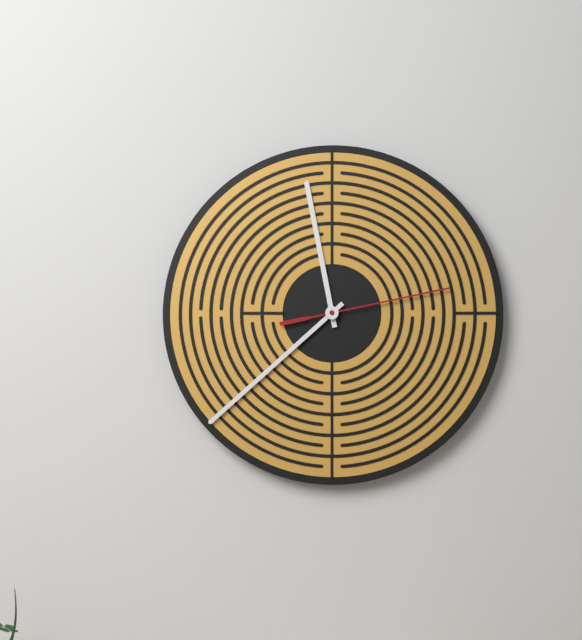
{"hour": 11, "minute": 38, "second": 13}
